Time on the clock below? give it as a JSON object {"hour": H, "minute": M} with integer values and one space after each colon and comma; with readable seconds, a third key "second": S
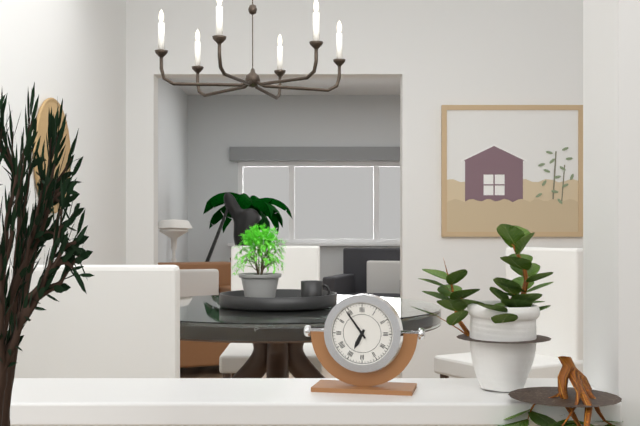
{"hour": 6, "minute": 54}
